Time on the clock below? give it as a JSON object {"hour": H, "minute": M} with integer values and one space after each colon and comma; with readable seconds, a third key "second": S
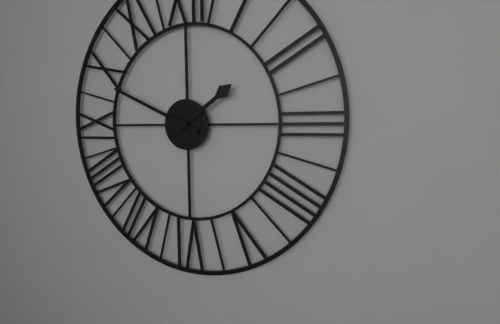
{"hour": 1, "minute": 49}
